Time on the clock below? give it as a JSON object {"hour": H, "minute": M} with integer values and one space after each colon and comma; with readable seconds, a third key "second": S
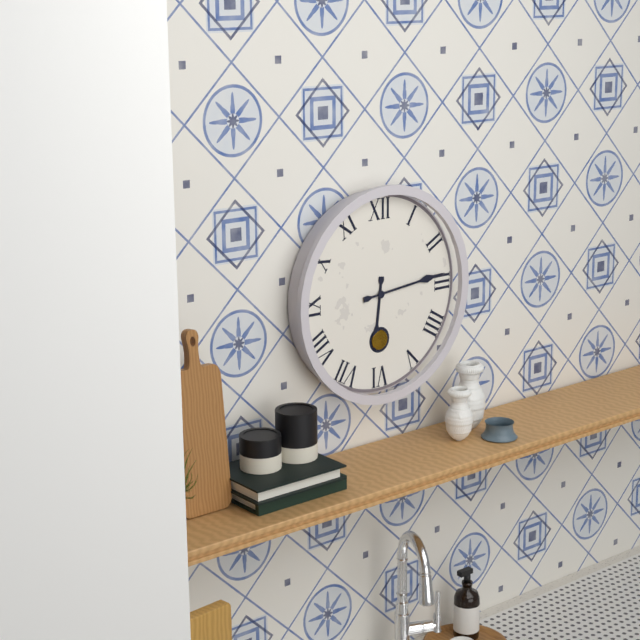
{"hour": 6, "minute": 14}
